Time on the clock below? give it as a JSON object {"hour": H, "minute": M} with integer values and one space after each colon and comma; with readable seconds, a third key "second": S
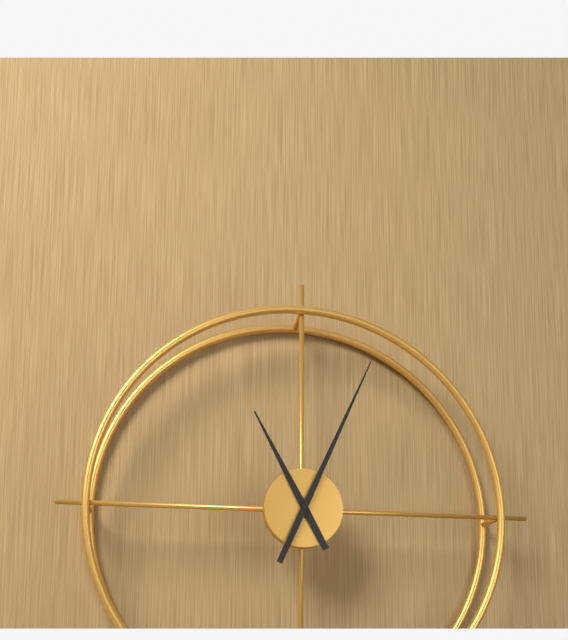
{"hour": 11, "minute": 4}
